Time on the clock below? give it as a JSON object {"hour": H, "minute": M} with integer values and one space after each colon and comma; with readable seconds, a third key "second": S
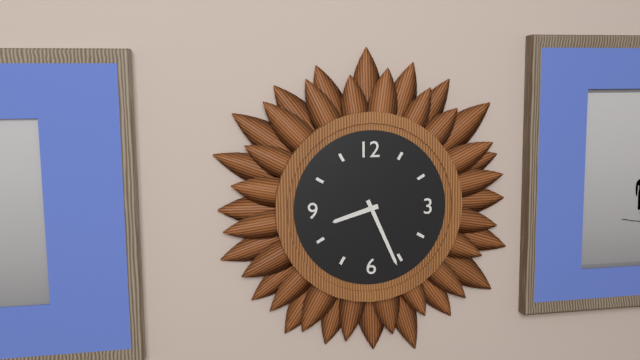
{"hour": 8, "minute": 26}
